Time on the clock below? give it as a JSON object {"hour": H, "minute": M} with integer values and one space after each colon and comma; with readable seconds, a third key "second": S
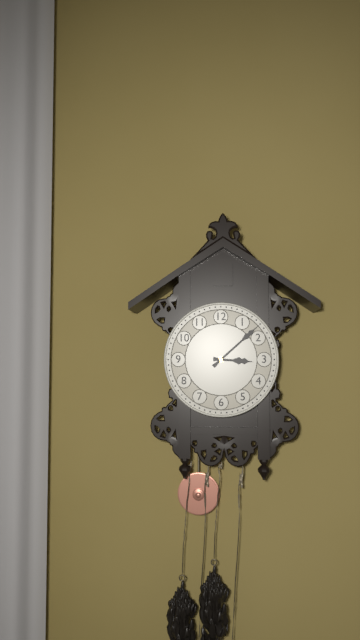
{"hour": 3, "minute": 8}
